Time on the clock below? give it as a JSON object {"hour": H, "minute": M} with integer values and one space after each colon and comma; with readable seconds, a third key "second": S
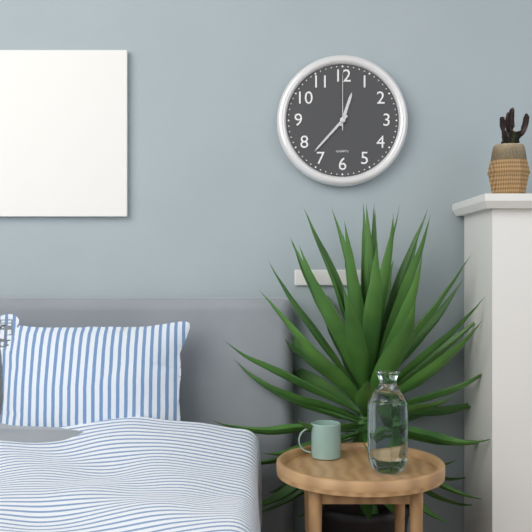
{"hour": 12, "minute": 37, "second": 0}
